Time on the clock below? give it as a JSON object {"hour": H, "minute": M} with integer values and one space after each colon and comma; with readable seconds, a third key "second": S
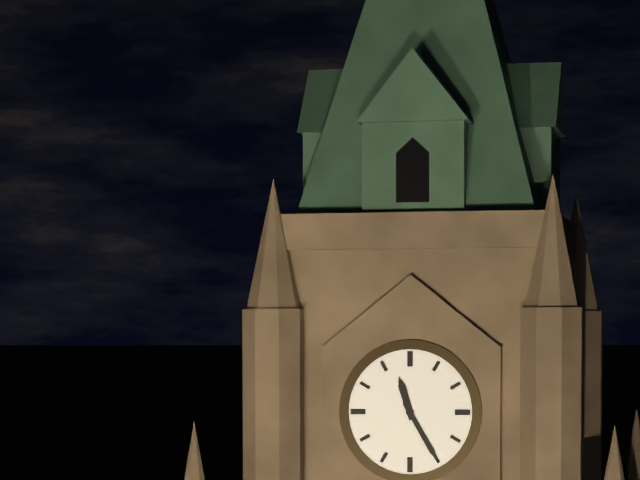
{"hour": 11, "minute": 25}
